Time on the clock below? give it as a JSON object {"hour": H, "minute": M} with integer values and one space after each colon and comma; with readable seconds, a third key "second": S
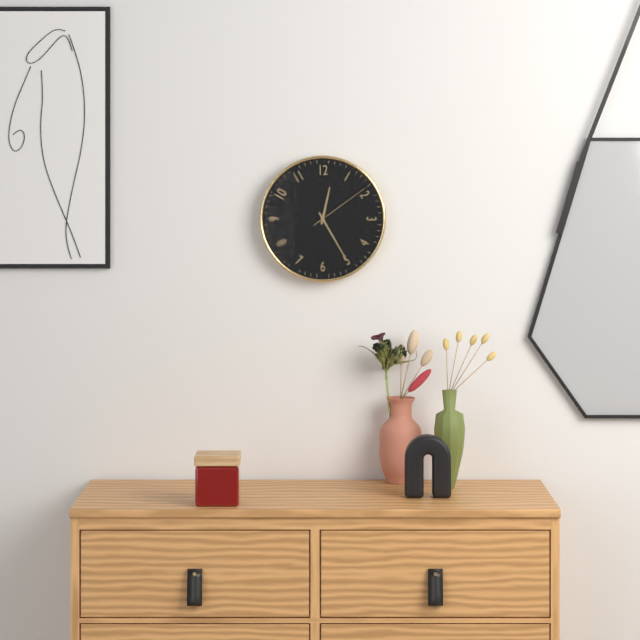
{"hour": 12, "minute": 25, "second": 9}
